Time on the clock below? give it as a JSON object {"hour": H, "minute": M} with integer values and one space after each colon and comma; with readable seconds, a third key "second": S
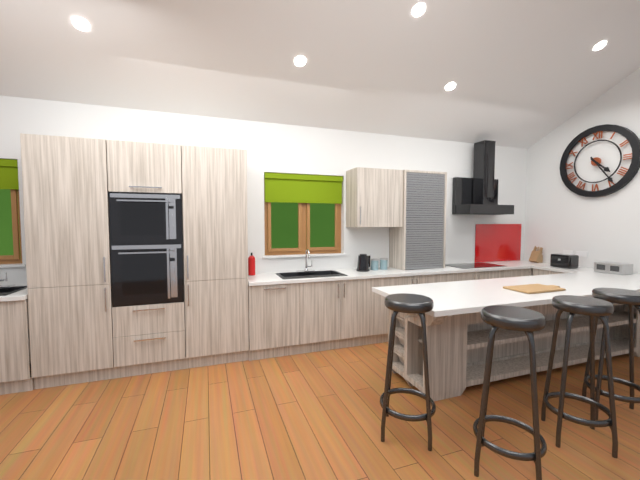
{"hour": 4, "minute": 24}
